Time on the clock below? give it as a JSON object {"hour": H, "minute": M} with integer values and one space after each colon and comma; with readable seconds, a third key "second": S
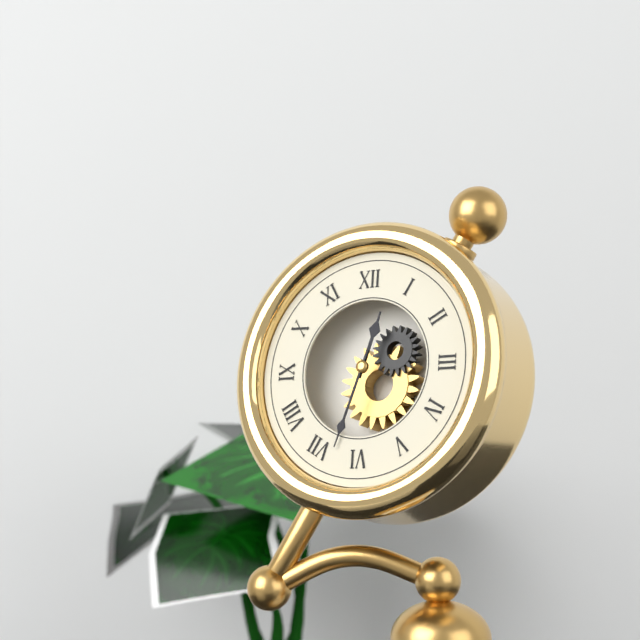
{"hour": 12, "minute": 33}
